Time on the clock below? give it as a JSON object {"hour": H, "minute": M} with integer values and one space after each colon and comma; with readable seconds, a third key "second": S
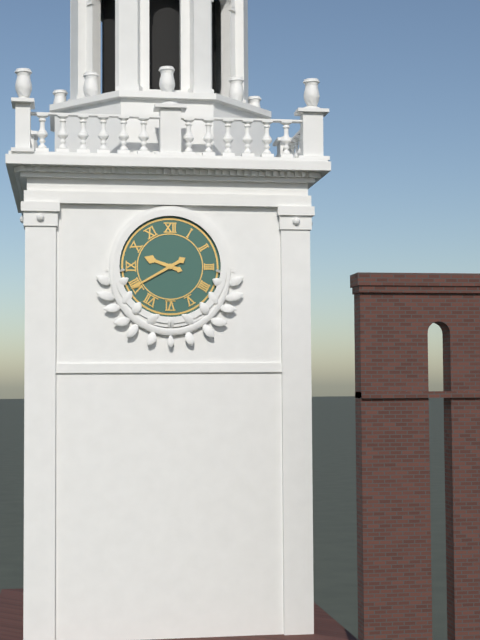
{"hour": 9, "minute": 40}
